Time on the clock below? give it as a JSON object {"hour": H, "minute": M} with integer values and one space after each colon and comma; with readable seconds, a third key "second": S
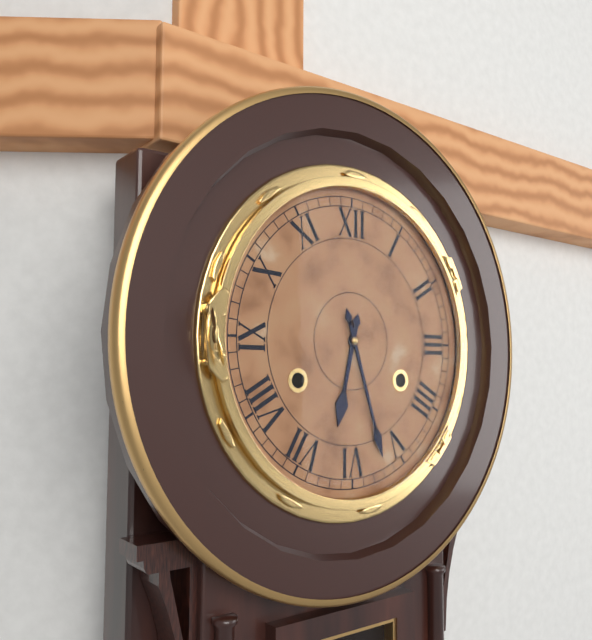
{"hour": 6, "minute": 27}
